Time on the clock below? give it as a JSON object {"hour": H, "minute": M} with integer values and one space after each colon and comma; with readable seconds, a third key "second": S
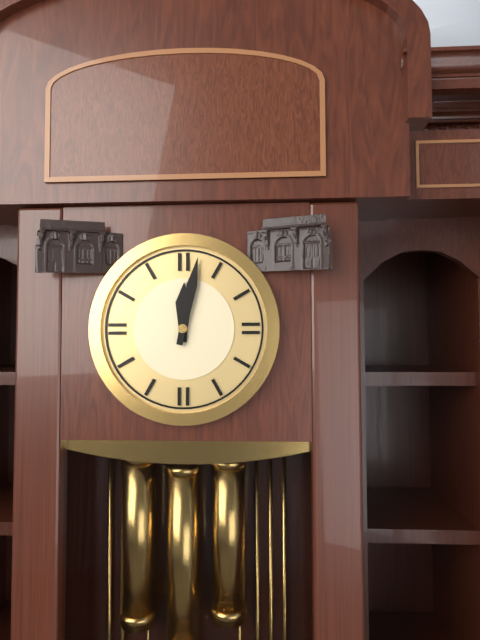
{"hour": 12, "minute": 2}
